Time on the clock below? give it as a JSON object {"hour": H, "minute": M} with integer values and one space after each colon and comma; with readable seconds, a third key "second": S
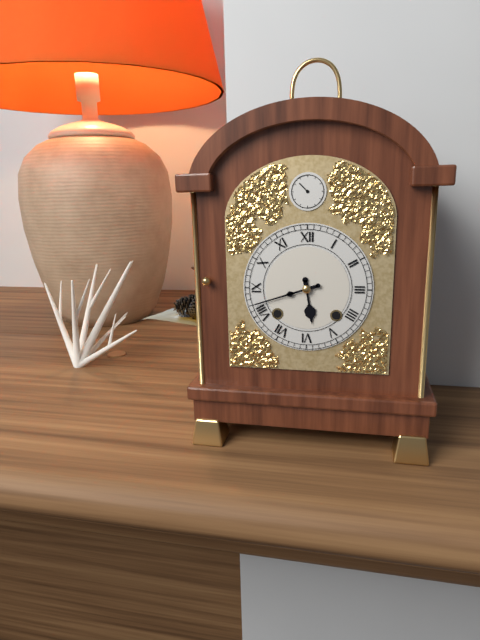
{"hour": 5, "minute": 42}
